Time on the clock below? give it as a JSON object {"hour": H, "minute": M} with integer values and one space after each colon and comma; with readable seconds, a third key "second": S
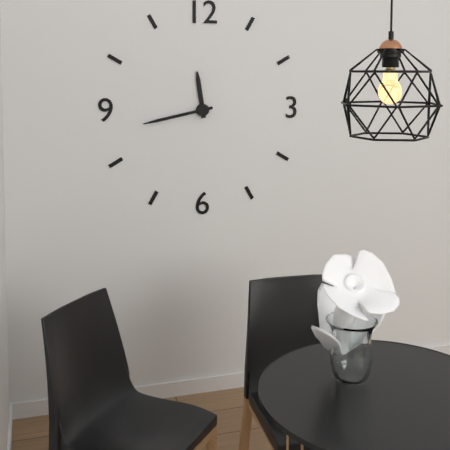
{"hour": 11, "minute": 43}
